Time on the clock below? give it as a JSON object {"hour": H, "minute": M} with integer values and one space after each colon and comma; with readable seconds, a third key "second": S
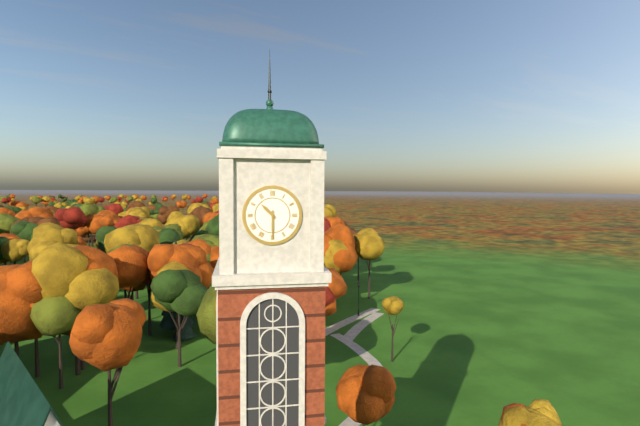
{"hour": 10, "minute": 30}
